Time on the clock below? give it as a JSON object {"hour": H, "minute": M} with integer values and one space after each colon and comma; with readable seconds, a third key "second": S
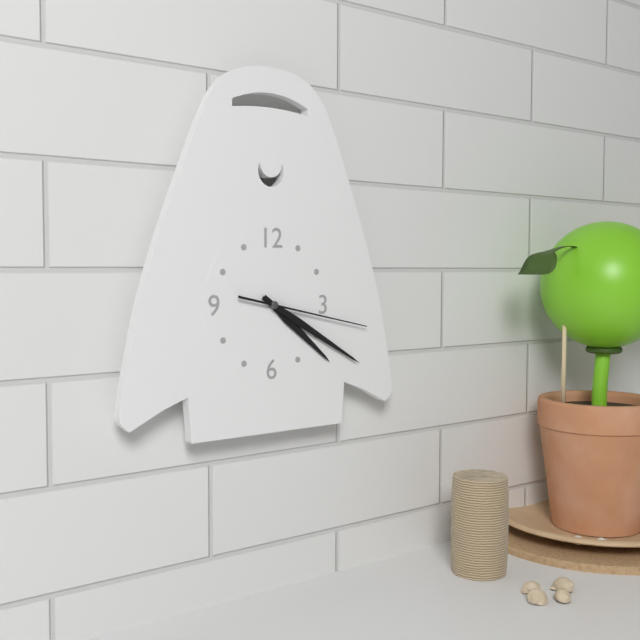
{"hour": 4, "minute": 20, "second": 17}
